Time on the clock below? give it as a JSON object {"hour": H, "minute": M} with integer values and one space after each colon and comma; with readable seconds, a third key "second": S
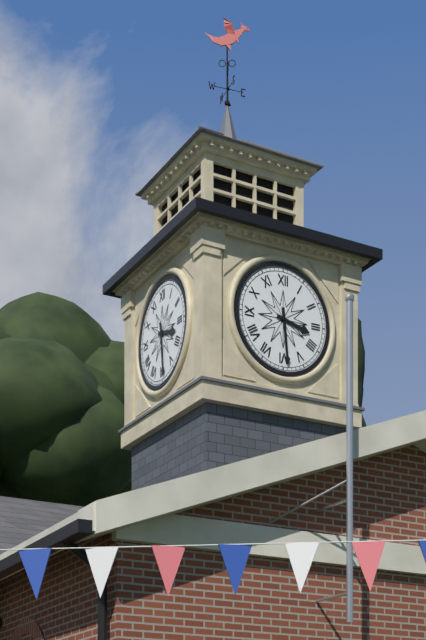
{"hour": 3, "minute": 29}
